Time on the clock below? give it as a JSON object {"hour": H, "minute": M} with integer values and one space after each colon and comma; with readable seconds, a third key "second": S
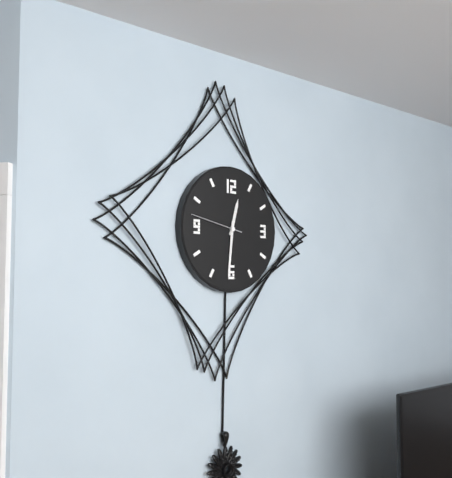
{"hour": 12, "minute": 31, "second": 47}
